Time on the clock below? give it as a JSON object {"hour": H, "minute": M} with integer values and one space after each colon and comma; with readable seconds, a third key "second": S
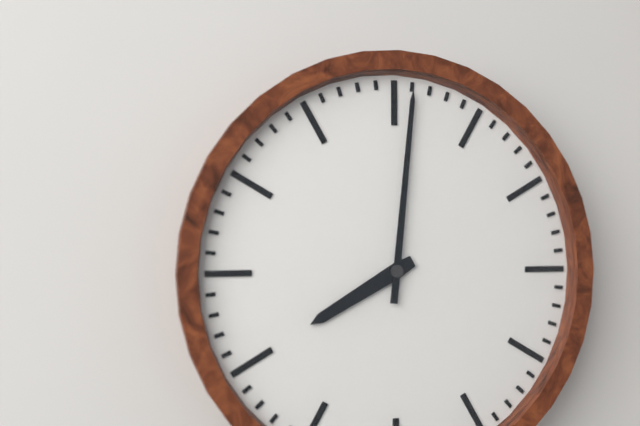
{"hour": 8, "minute": 1}
